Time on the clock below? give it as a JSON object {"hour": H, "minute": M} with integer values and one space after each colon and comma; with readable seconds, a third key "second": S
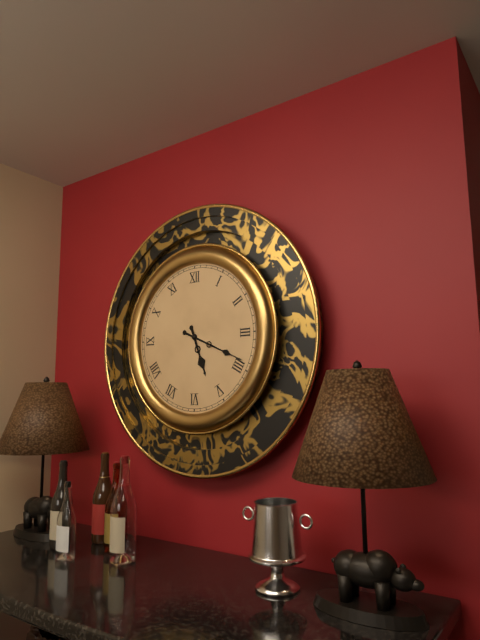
{"hour": 5, "minute": 19}
